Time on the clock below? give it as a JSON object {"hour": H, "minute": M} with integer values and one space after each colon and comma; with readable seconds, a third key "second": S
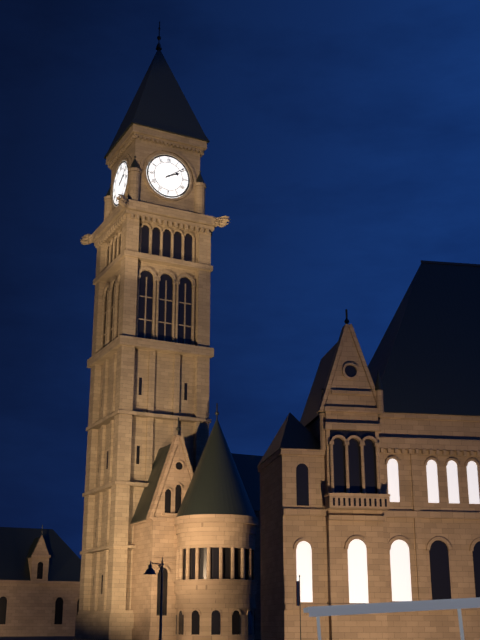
{"hour": 2, "minute": 9}
